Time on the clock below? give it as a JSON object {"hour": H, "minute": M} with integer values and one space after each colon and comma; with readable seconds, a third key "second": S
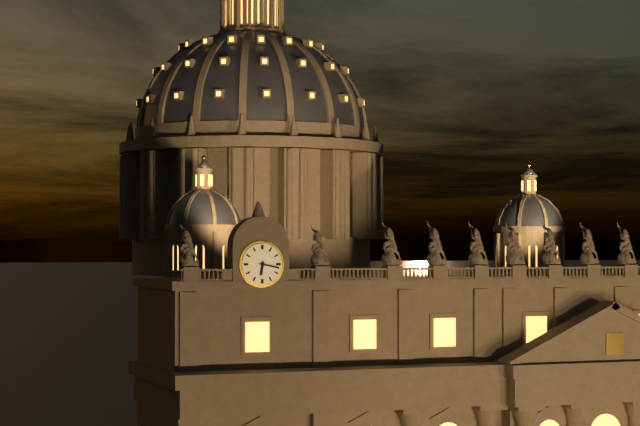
{"hour": 6, "minute": 17}
